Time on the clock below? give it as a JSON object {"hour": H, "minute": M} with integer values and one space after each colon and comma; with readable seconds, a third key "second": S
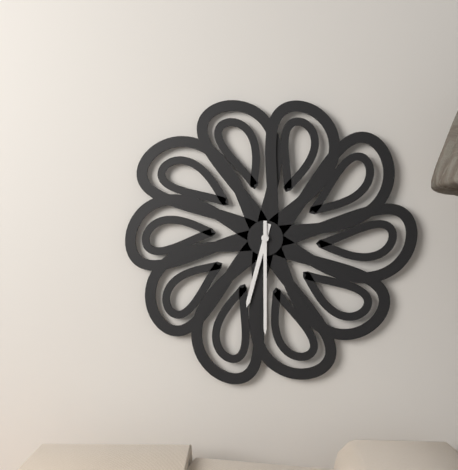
{"hour": 6, "minute": 30}
